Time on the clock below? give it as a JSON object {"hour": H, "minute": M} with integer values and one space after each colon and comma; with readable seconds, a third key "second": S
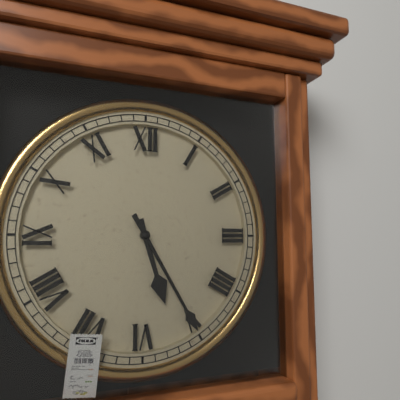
{"hour": 5, "minute": 25}
